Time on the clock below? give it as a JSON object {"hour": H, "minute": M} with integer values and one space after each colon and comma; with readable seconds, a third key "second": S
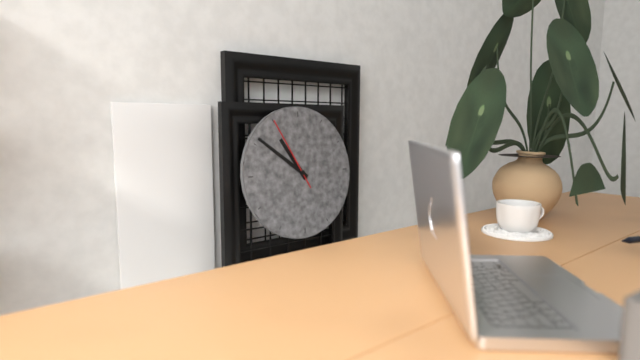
{"hour": 10, "minute": 51, "second": 55}
